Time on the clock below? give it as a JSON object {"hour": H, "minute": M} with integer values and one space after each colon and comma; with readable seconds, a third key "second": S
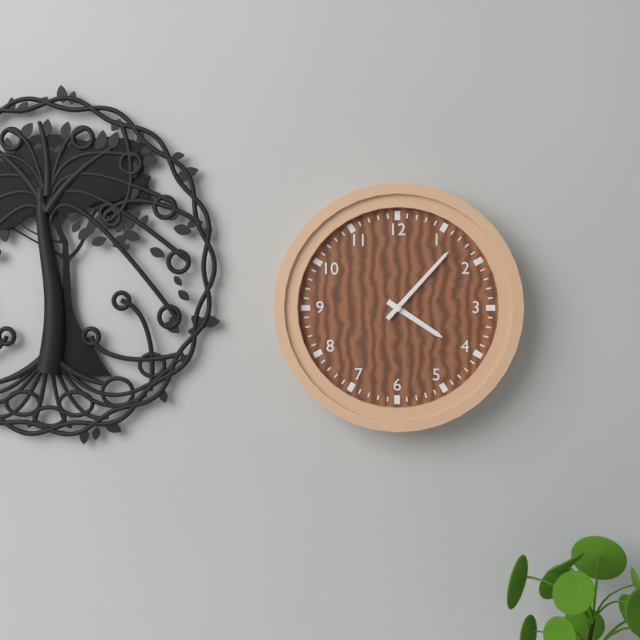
{"hour": 4, "minute": 7}
